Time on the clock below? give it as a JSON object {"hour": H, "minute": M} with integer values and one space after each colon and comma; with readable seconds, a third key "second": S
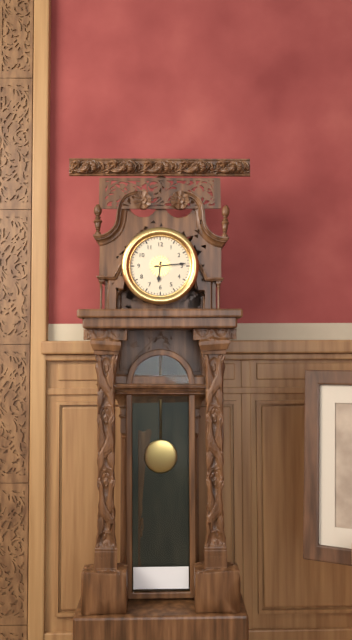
{"hour": 6, "minute": 14}
